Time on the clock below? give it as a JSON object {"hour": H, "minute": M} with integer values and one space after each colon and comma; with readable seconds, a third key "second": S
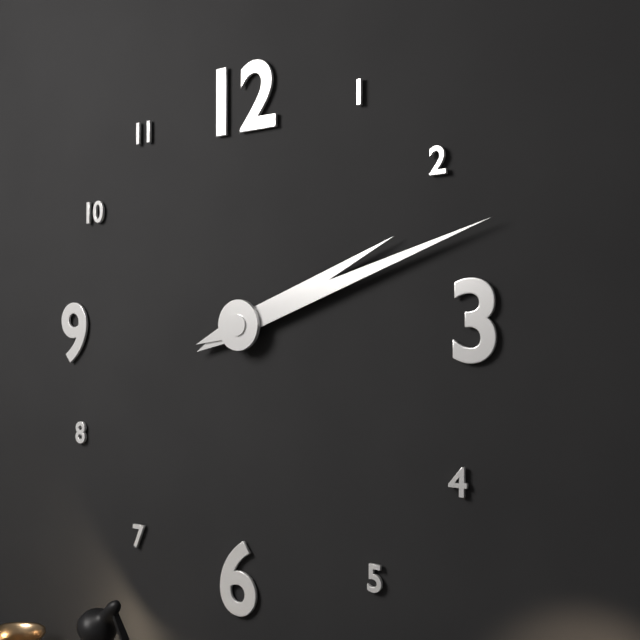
{"hour": 2, "minute": 12}
